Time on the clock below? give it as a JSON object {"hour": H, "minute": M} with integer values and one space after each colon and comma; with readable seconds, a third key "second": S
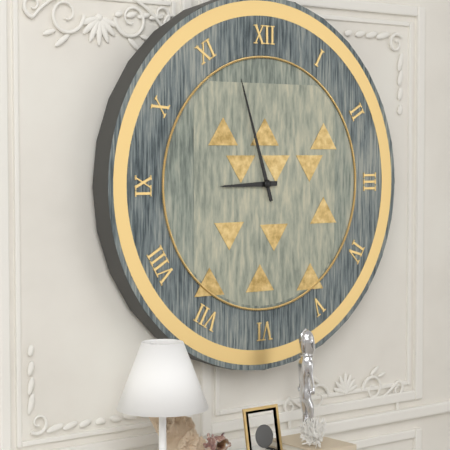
{"hour": 8, "minute": 57}
